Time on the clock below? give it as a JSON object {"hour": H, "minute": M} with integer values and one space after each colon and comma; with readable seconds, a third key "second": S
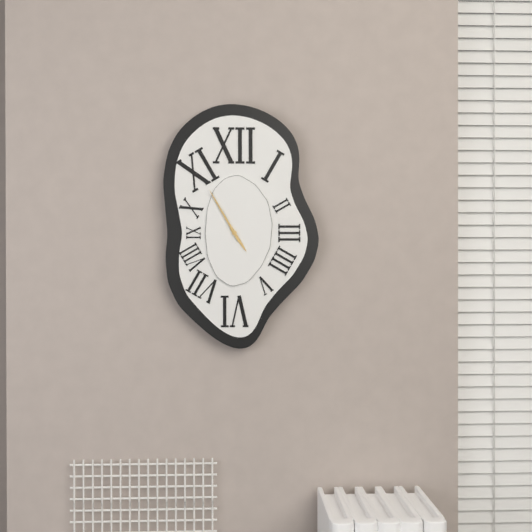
{"hour": 4, "minute": 55}
